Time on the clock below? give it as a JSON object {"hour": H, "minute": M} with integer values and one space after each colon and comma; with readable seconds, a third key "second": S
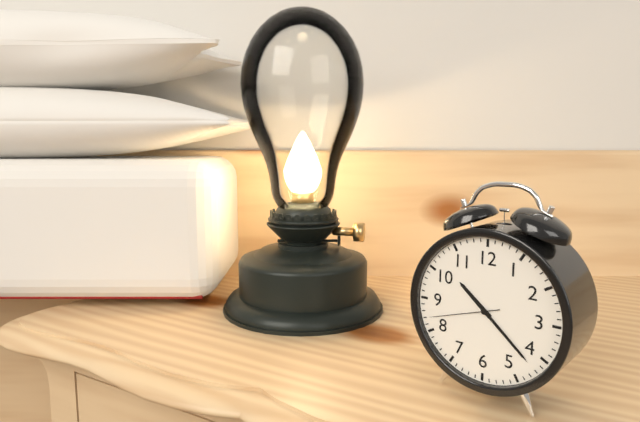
{"hour": 10, "minute": 22, "second": 42}
